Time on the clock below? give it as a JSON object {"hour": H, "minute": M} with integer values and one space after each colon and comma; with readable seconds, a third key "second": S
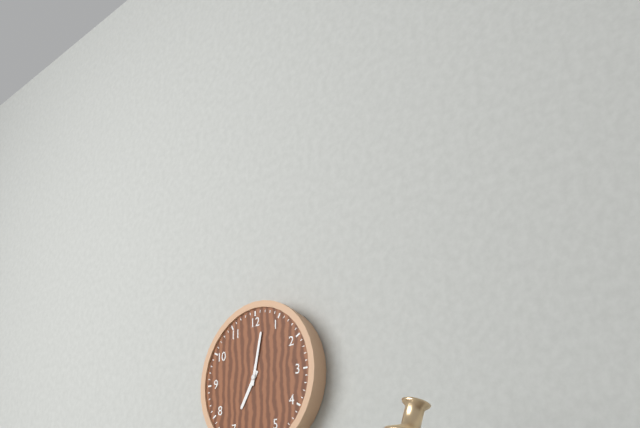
{"hour": 7, "minute": 2}
